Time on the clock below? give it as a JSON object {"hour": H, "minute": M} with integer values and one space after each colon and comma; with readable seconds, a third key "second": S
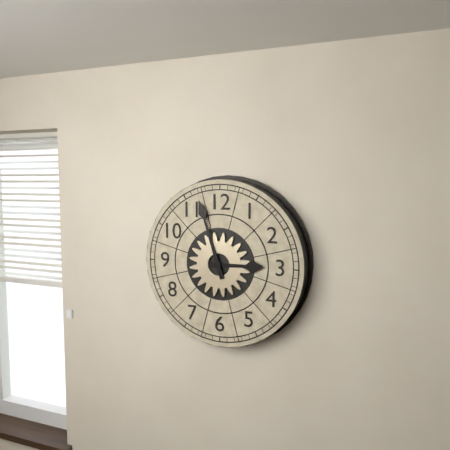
{"hour": 2, "minute": 57}
